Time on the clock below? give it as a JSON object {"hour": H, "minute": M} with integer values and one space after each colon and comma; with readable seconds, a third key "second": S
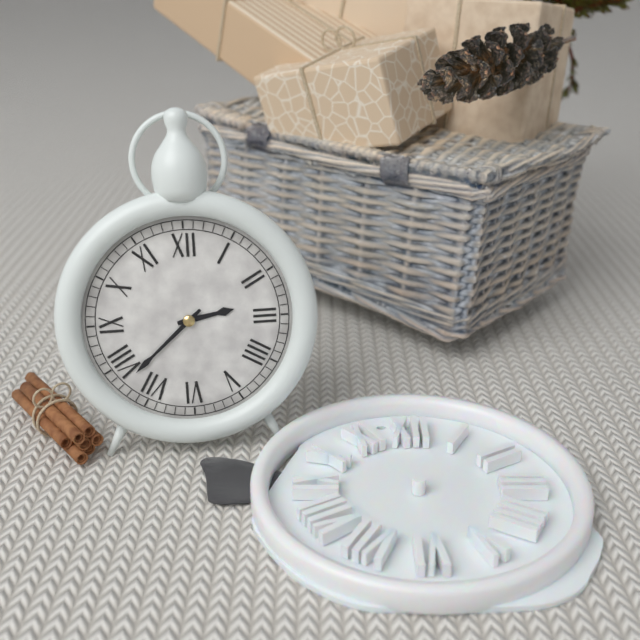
{"hour": 2, "minute": 38}
